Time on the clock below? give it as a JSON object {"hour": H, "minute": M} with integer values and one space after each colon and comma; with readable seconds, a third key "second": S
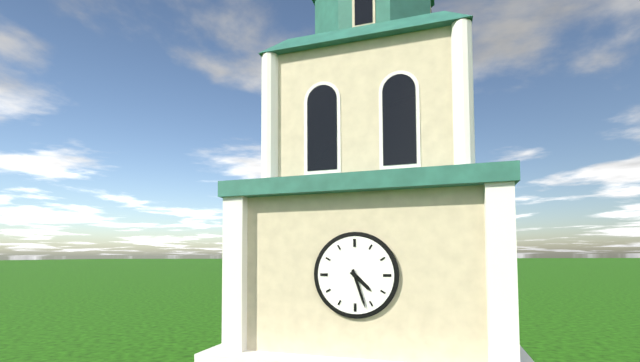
{"hour": 4, "minute": 27}
